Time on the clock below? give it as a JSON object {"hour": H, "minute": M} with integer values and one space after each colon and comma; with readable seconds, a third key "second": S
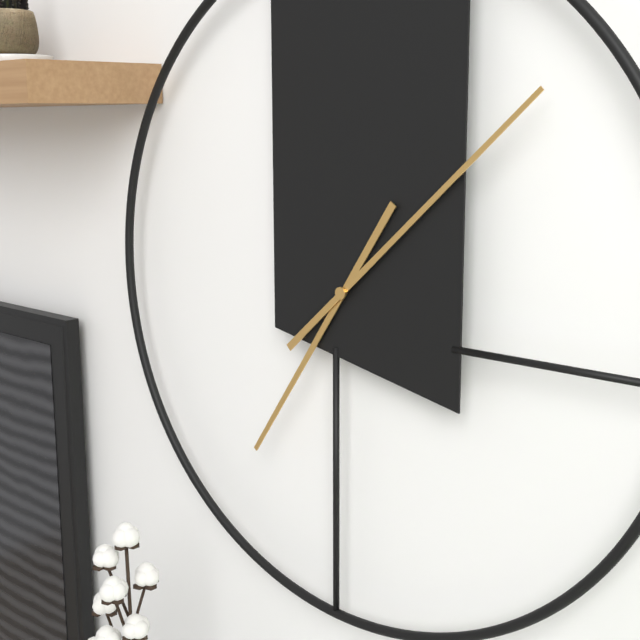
{"hour": 7, "minute": 8}
